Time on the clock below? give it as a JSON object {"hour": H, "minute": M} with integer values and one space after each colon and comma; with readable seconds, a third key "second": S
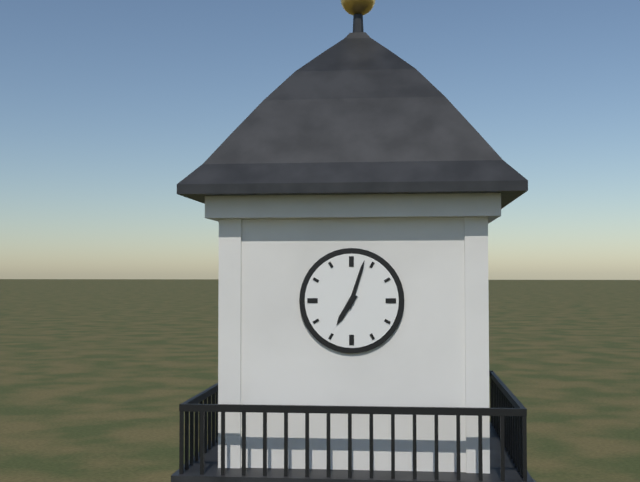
{"hour": 7, "minute": 3}
